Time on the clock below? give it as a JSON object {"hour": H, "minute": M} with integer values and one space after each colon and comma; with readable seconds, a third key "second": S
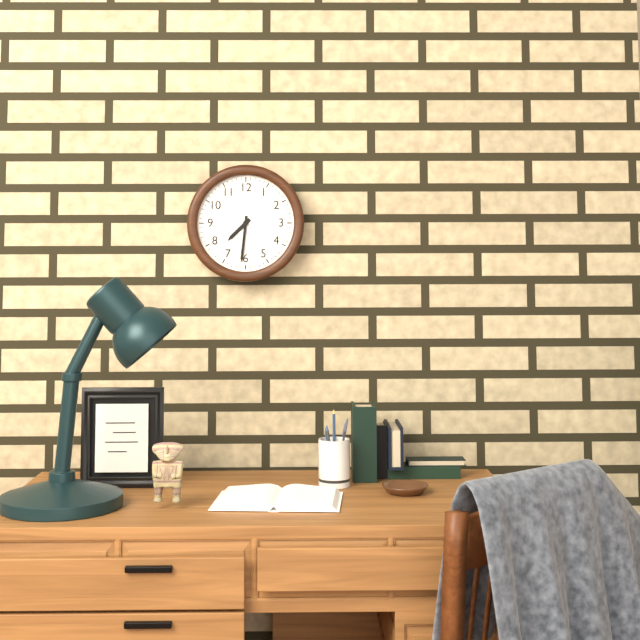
{"hour": 7, "minute": 31}
